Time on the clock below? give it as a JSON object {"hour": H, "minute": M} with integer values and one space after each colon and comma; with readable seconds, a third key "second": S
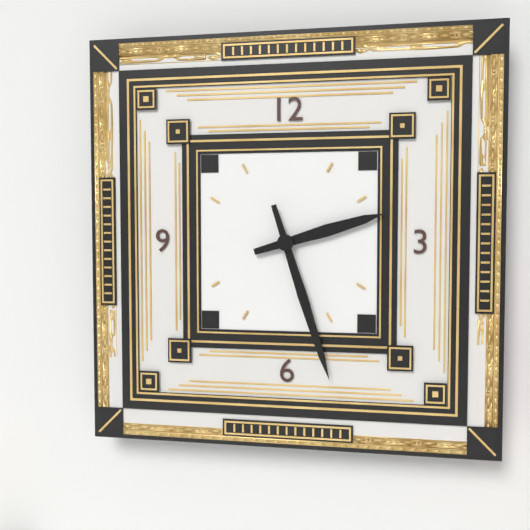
{"hour": 2, "minute": 27}
